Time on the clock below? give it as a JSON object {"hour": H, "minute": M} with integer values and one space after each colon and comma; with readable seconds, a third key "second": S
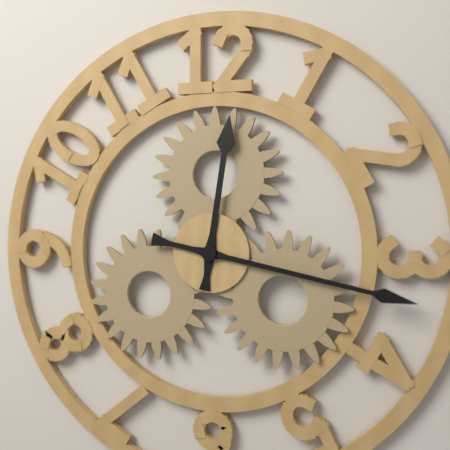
{"hour": 12, "minute": 17}
